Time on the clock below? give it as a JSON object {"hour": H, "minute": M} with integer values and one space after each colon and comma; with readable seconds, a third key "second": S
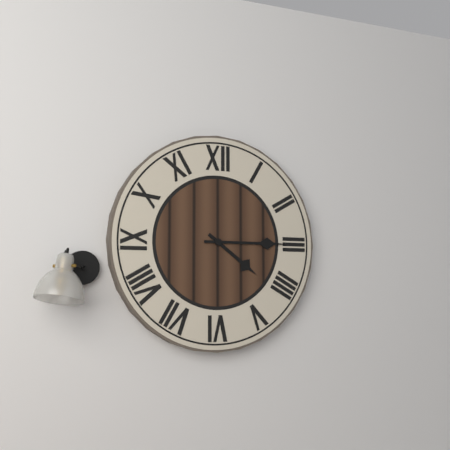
{"hour": 4, "minute": 15}
